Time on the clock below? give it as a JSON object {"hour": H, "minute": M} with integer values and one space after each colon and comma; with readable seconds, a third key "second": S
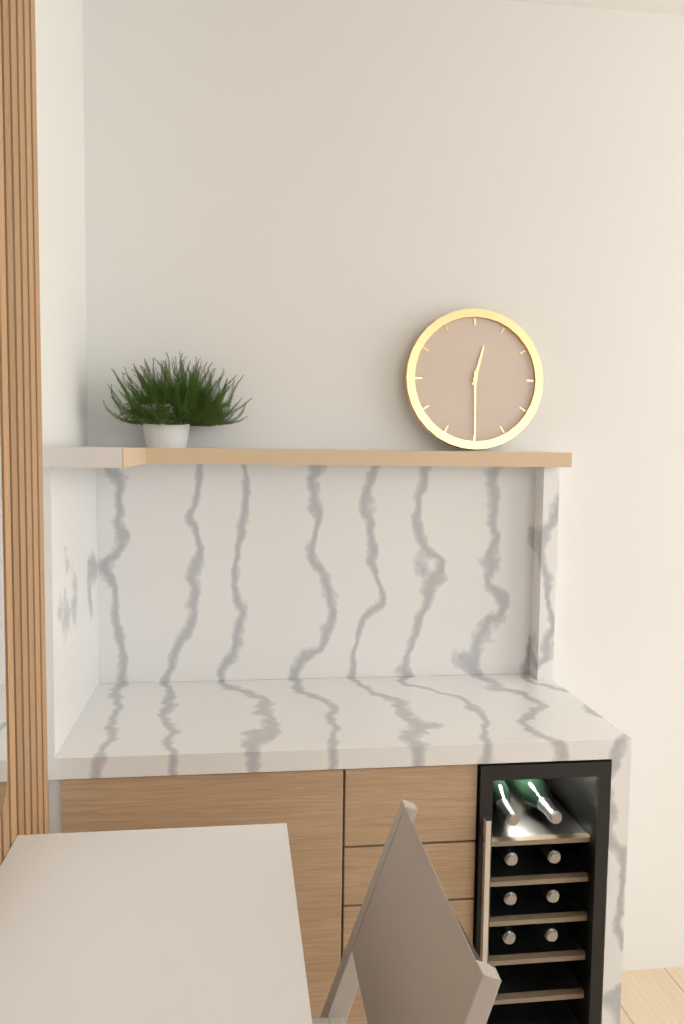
{"hour": 12, "minute": 30}
